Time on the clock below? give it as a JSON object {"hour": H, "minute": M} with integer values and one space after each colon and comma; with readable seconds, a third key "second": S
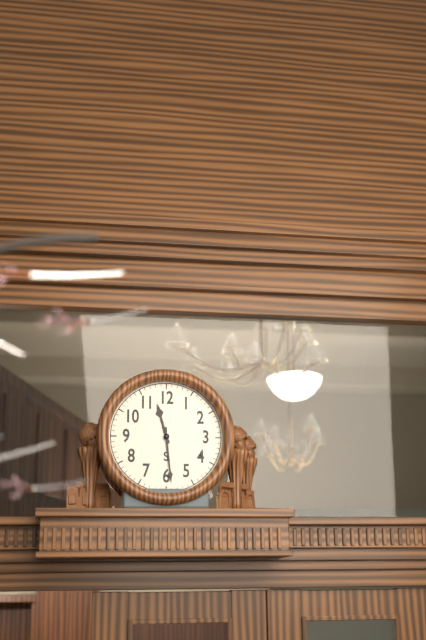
{"hour": 11, "minute": 29}
